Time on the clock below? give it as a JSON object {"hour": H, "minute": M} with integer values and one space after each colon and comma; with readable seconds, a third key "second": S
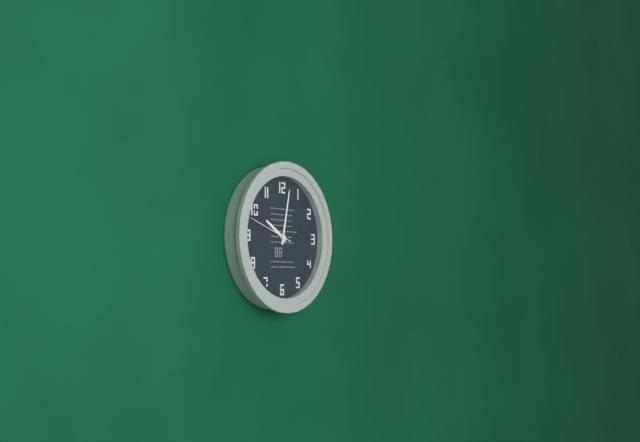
{"hour": 10, "minute": 2}
